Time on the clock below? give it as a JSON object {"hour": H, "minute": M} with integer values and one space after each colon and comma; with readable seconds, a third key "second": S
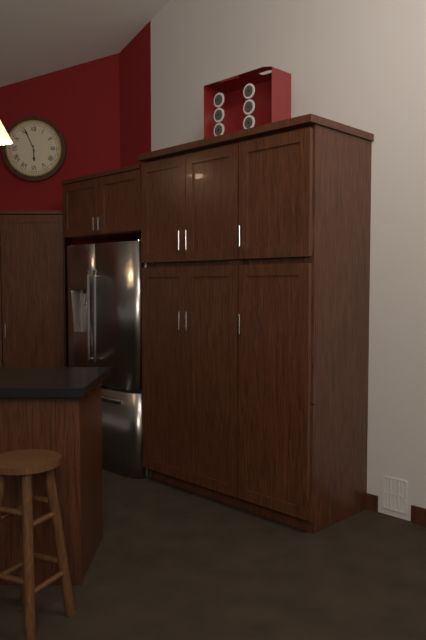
{"hour": 5, "minute": 56}
